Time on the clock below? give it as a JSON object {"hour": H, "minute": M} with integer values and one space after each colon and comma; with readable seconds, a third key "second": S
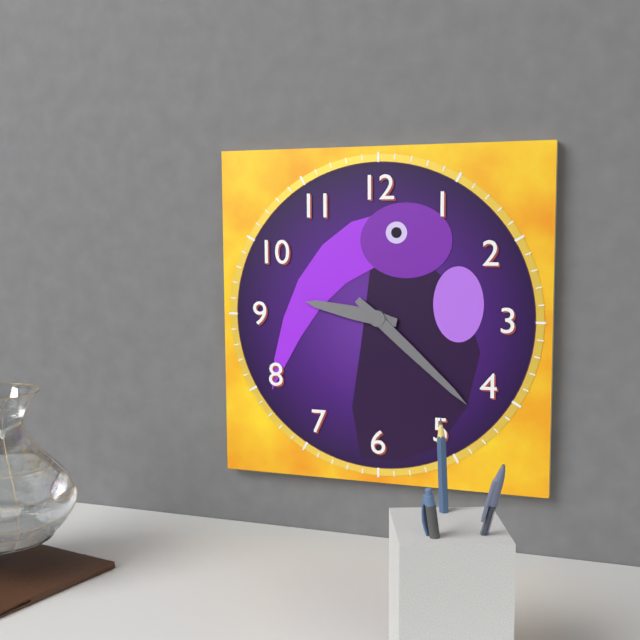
{"hour": 9, "minute": 22}
